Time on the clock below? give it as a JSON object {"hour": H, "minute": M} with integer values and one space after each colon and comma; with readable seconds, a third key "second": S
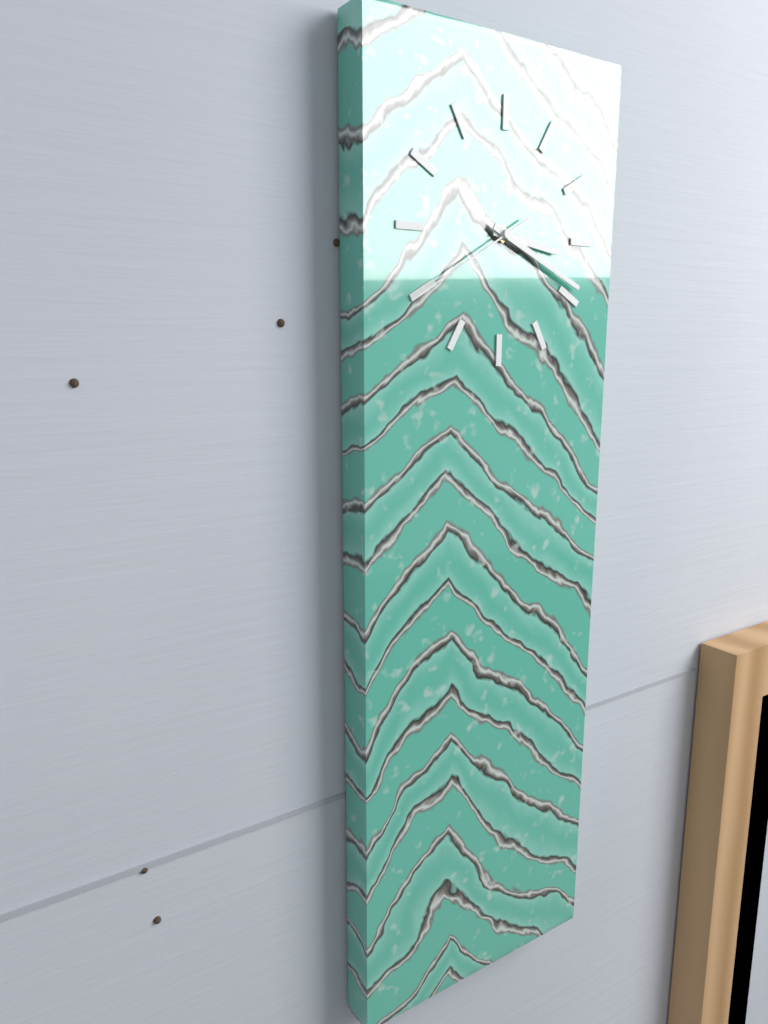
{"hour": 3, "minute": 19, "second": 40}
